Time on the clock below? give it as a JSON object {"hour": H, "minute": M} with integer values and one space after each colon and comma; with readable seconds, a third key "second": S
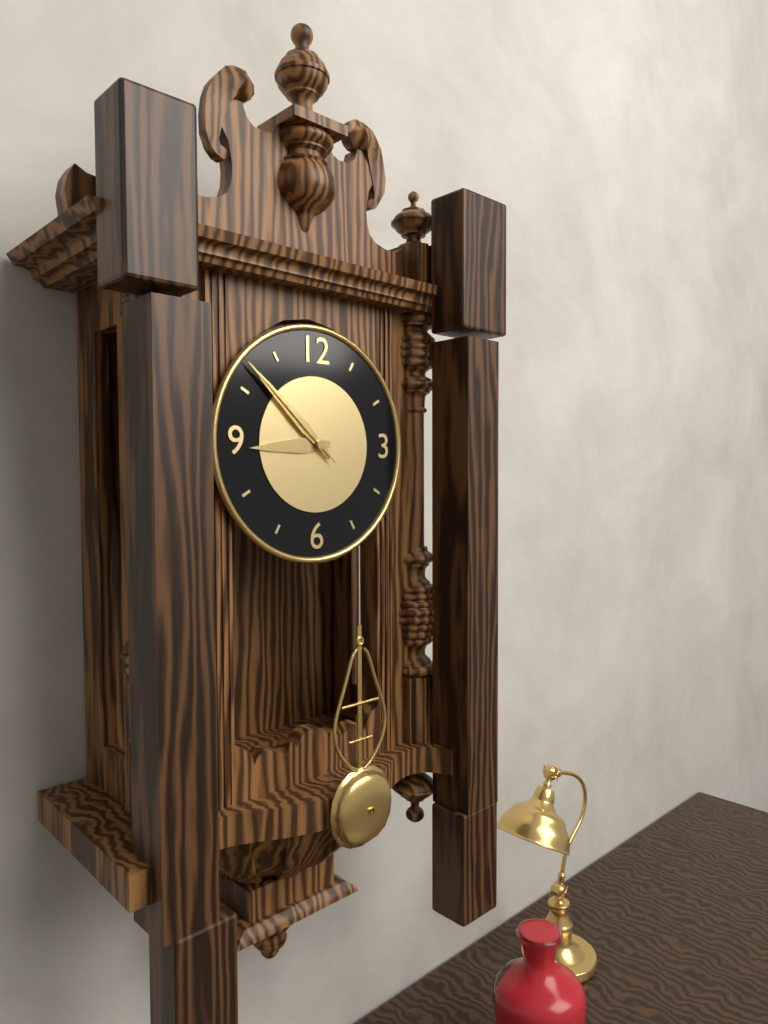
{"hour": 8, "minute": 52, "second": 52}
